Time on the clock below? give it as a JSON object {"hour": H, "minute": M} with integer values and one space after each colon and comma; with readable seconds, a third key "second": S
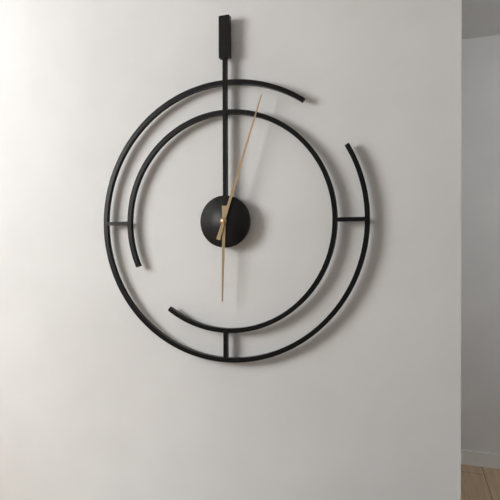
{"hour": 6, "minute": 3}
